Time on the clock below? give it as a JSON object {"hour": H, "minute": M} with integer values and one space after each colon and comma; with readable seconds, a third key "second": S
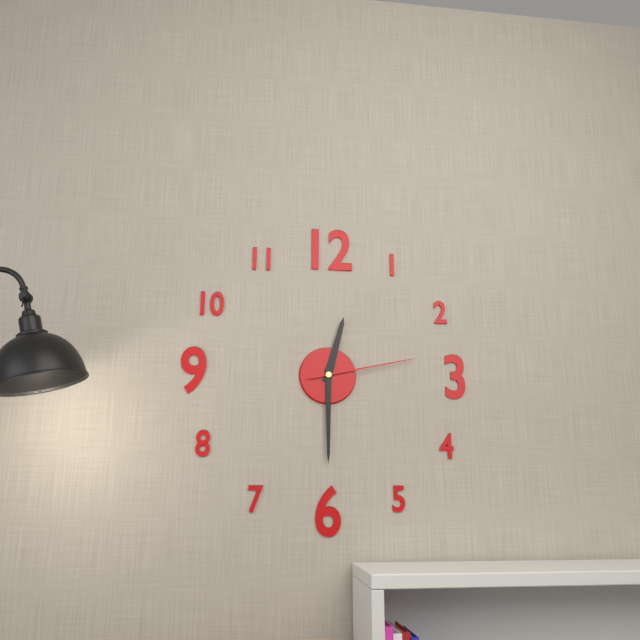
{"hour": 12, "minute": 30, "second": 13}
